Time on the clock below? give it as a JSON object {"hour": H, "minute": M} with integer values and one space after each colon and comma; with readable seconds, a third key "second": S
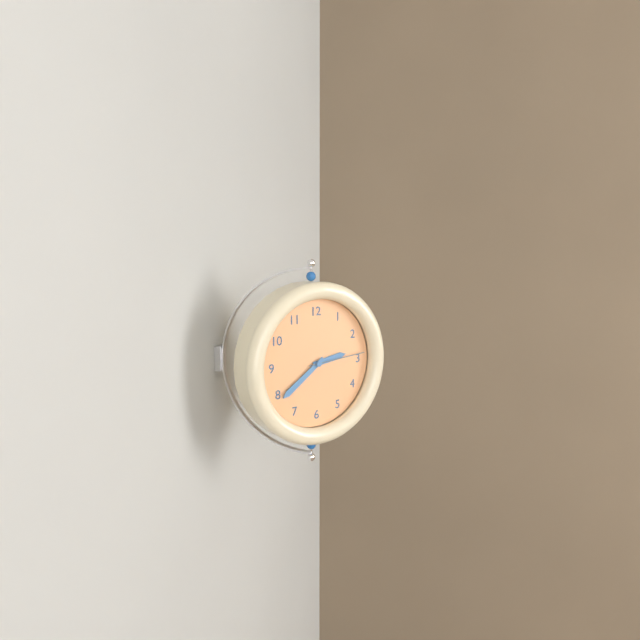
{"hour": 2, "minute": 39, "second": 14}
